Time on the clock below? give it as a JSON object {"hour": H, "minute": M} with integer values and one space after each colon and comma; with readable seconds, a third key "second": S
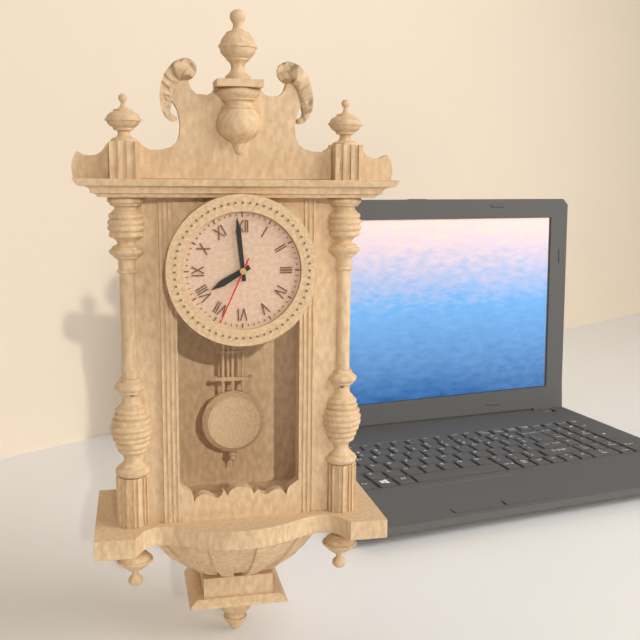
{"hour": 7, "minute": 59, "second": 34}
